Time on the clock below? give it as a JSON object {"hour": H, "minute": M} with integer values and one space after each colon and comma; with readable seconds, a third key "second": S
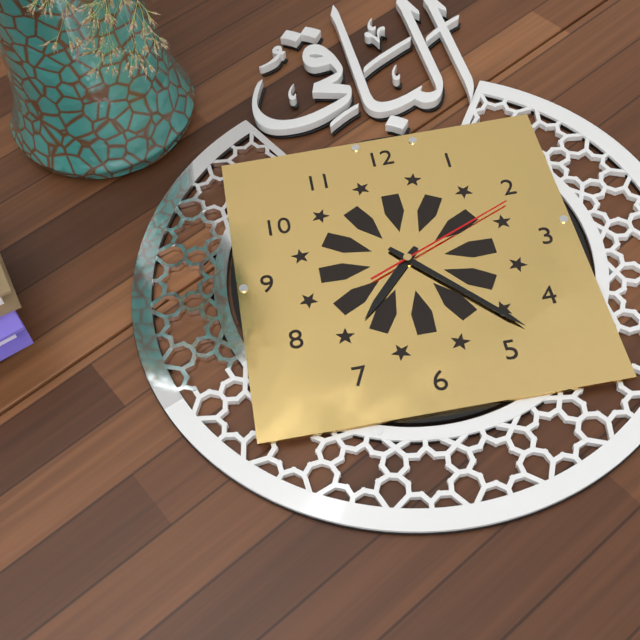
{"hour": 7, "minute": 23, "second": 11}
